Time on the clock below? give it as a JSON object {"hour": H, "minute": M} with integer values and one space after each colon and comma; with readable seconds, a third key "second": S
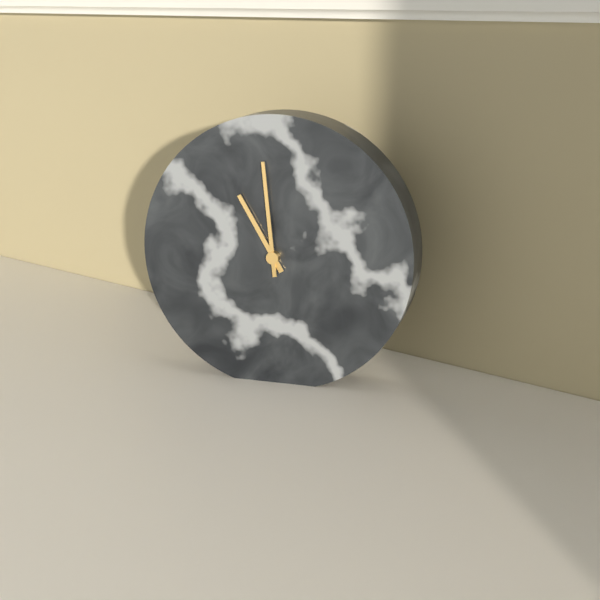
{"hour": 10, "minute": 59}
